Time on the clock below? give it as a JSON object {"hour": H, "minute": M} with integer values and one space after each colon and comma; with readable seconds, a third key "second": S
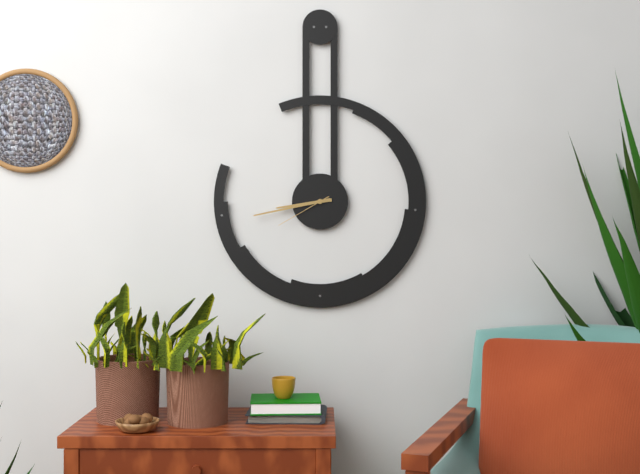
{"hour": 8, "minute": 43, "second": 40}
